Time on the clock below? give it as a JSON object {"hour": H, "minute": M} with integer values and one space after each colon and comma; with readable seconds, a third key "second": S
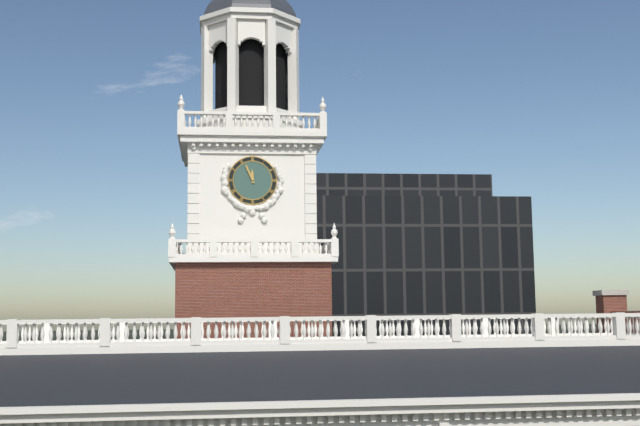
{"hour": 11, "minute": 56}
